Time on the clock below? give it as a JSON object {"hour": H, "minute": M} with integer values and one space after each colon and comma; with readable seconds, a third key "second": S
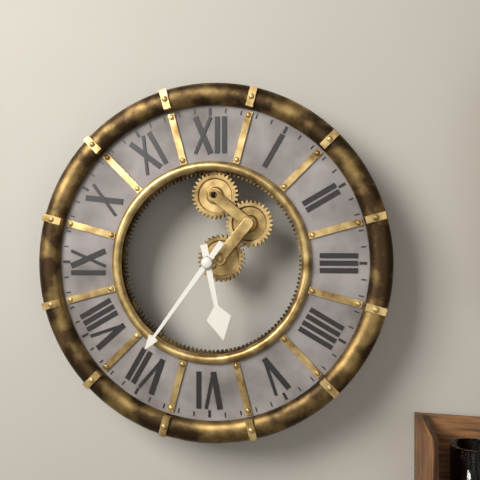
{"hour": 5, "minute": 36}
